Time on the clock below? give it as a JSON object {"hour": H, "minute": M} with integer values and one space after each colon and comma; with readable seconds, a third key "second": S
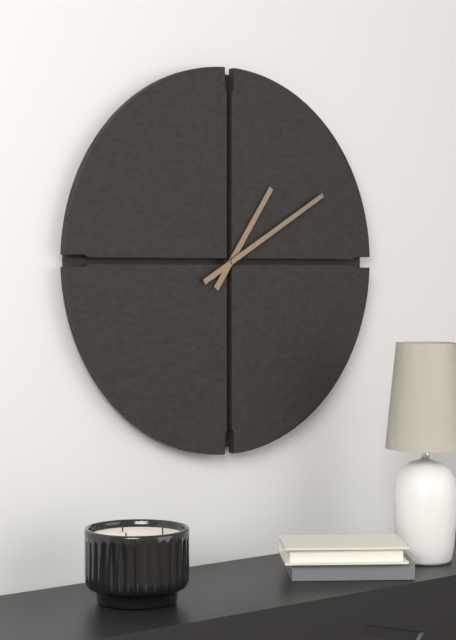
{"hour": 1, "minute": 10}
